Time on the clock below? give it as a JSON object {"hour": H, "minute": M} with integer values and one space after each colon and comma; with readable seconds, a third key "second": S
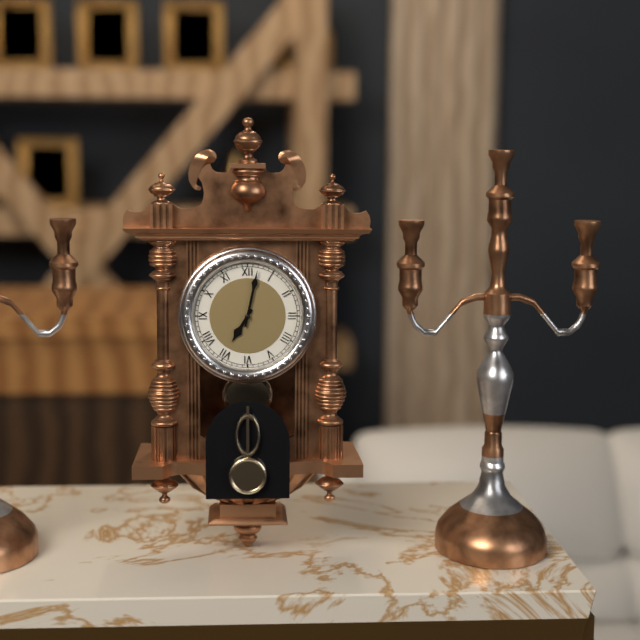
{"hour": 7, "minute": 2}
